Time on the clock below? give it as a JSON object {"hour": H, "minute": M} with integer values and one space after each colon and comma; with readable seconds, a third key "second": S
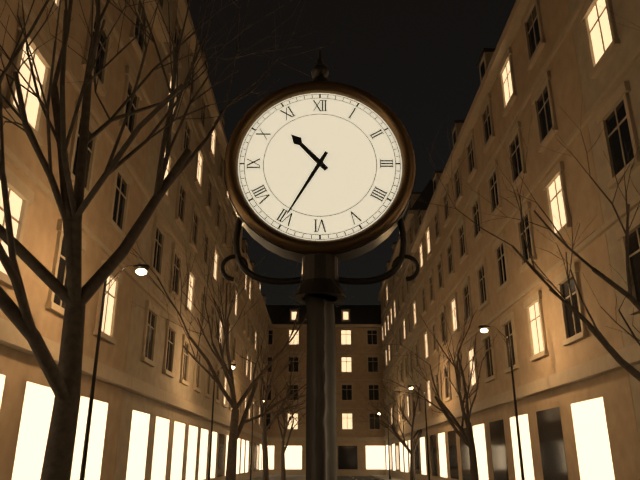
{"hour": 10, "minute": 35}
